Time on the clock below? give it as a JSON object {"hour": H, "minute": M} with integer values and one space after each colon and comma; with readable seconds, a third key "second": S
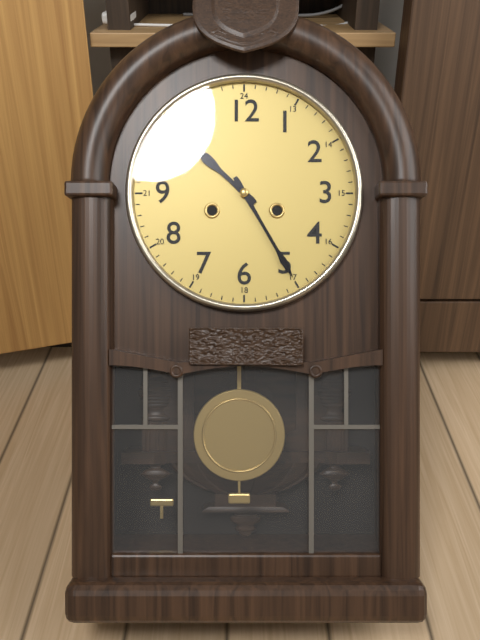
{"hour": 10, "minute": 25}
